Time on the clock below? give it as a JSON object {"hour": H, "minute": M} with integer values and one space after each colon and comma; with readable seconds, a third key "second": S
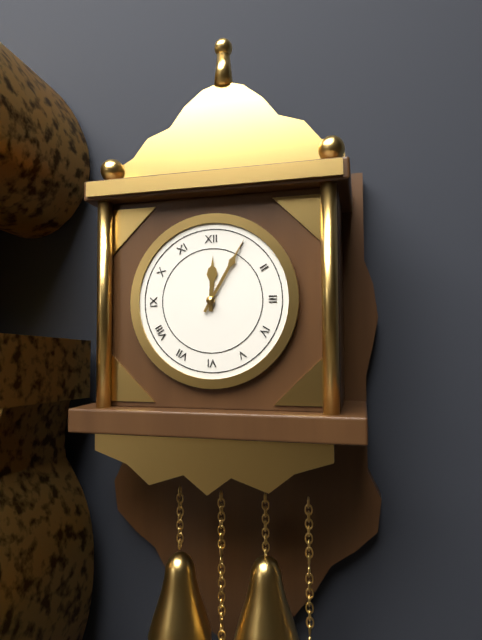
{"hour": 12, "minute": 5}
